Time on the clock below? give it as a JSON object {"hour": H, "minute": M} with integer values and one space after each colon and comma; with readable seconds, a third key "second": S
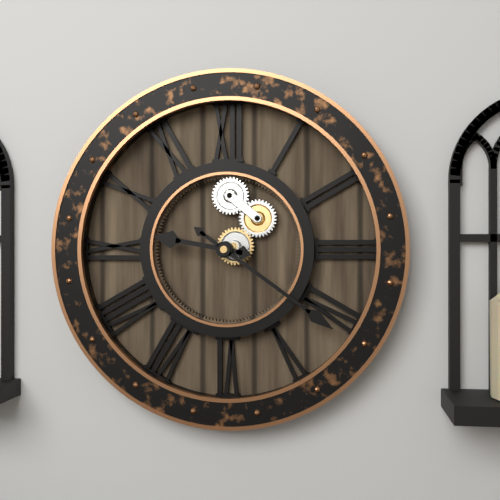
{"hour": 9, "minute": 21}
